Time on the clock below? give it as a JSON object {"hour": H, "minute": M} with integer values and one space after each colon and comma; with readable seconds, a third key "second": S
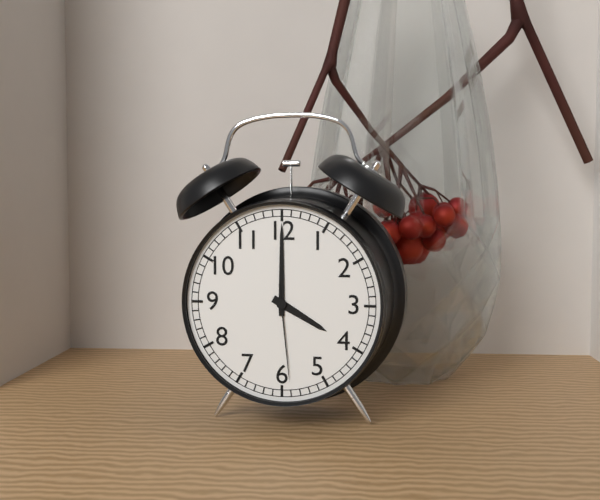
{"hour": 4, "minute": 0, "second": 29}
